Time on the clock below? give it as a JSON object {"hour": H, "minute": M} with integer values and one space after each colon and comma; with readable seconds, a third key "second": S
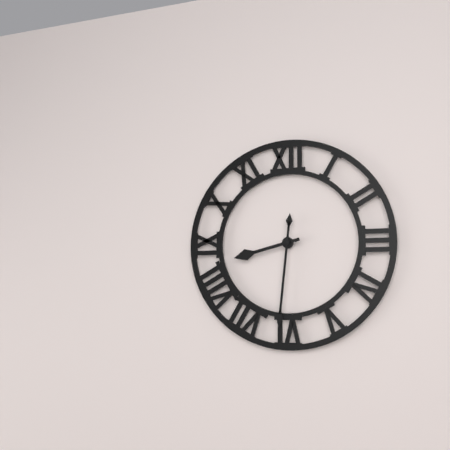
{"hour": 8, "minute": 31}
